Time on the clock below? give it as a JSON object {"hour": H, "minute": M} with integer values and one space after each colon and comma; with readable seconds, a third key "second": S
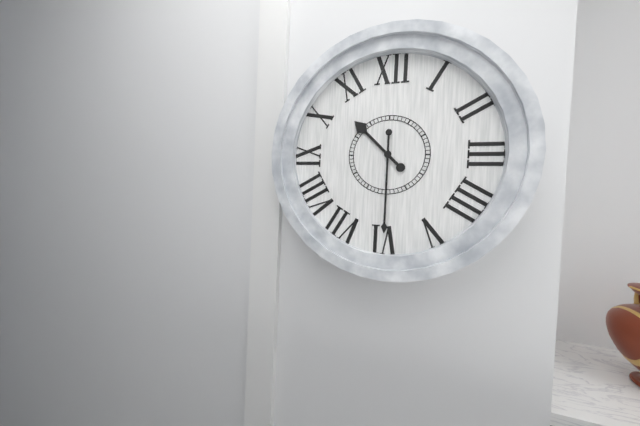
{"hour": 10, "minute": 30}
